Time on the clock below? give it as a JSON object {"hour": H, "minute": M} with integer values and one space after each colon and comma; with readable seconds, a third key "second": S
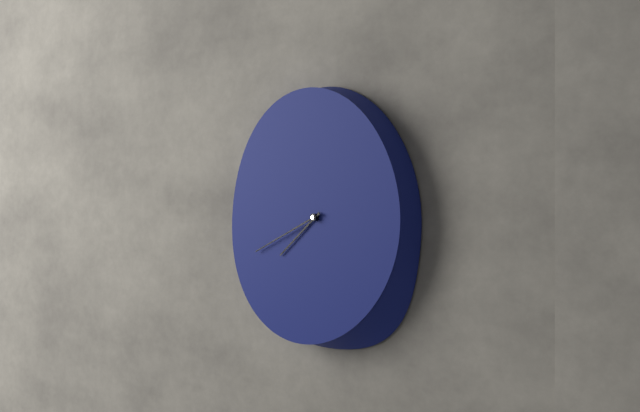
{"hour": 7, "minute": 41}
